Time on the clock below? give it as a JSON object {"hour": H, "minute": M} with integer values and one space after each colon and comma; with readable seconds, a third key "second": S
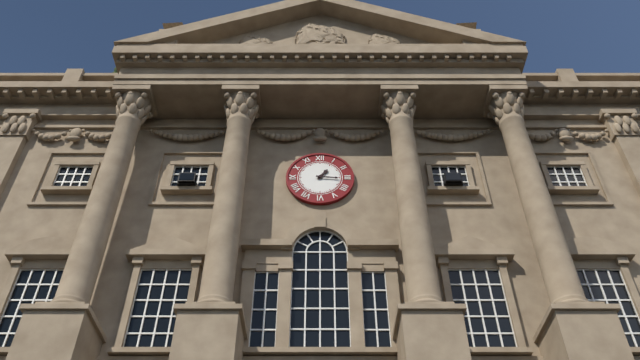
{"hour": 1, "minute": 16}
